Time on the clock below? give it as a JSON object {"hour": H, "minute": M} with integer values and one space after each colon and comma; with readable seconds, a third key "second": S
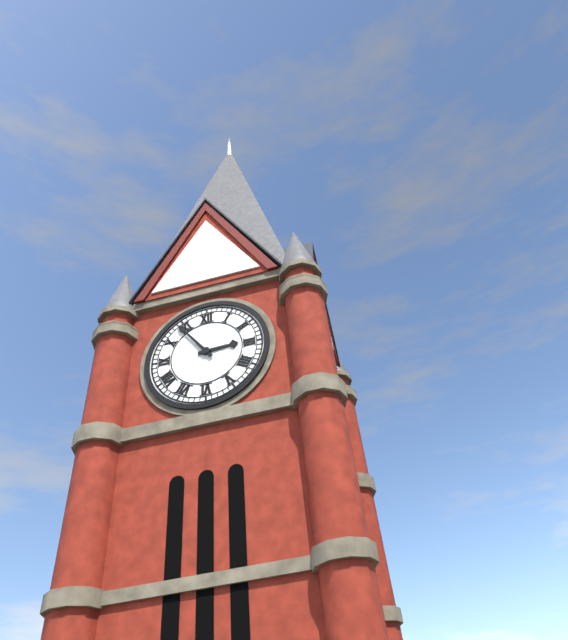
{"hour": 2, "minute": 54}
